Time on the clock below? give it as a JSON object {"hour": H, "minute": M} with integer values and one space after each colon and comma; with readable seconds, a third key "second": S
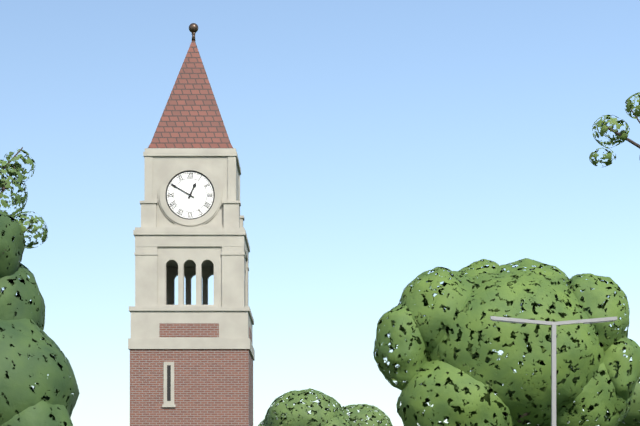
{"hour": 12, "minute": 50}
